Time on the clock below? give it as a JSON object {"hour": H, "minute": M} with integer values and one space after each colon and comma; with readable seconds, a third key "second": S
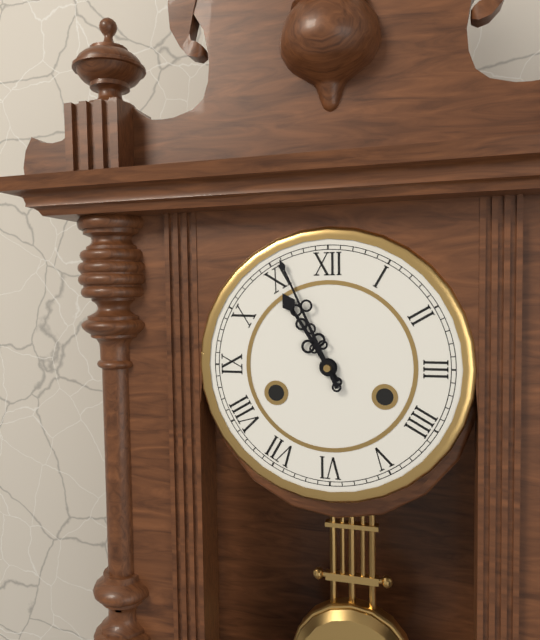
{"hour": 10, "minute": 56}
